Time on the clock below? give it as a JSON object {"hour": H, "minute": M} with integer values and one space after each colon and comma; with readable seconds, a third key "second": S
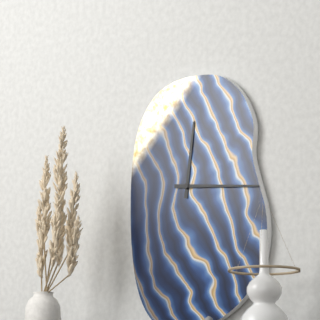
{"hour": 12, "minute": 16}
